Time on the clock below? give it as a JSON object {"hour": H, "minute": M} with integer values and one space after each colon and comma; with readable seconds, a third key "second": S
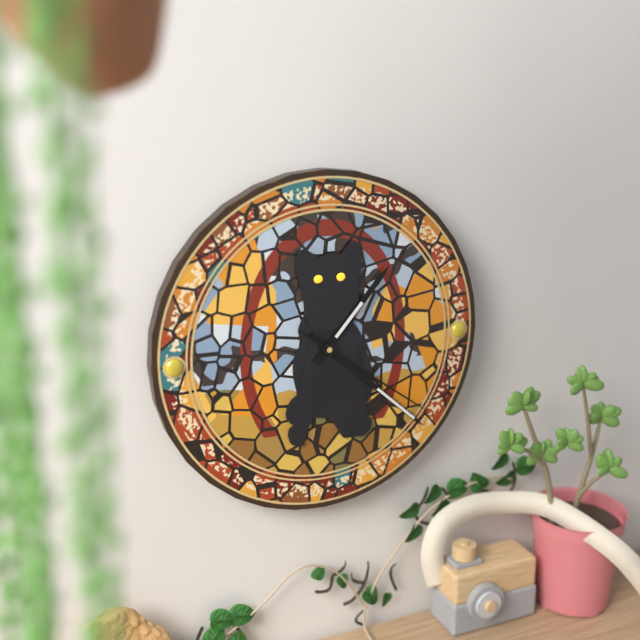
{"hour": 1, "minute": 22, "second": 21}
